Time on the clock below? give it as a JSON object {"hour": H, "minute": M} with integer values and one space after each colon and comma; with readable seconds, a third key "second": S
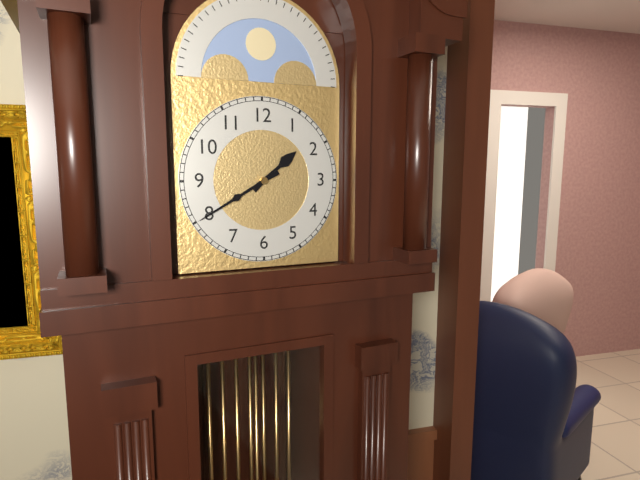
{"hour": 1, "minute": 40}
